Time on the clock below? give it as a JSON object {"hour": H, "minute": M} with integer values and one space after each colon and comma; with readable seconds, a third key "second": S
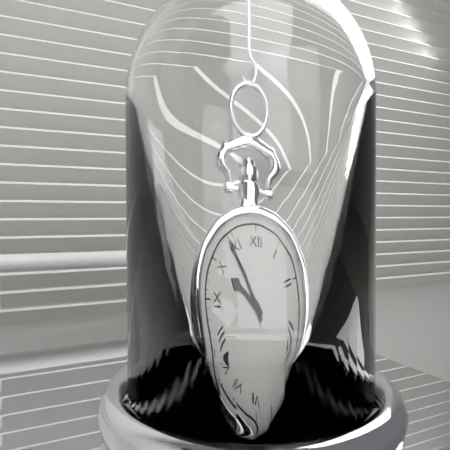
{"hour": 9, "minute": 54}
